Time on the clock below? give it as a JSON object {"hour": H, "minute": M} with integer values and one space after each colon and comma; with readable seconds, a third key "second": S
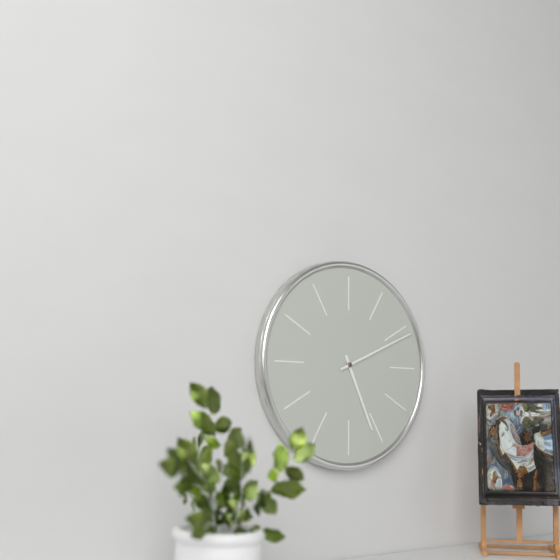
{"hour": 5, "minute": 11}
